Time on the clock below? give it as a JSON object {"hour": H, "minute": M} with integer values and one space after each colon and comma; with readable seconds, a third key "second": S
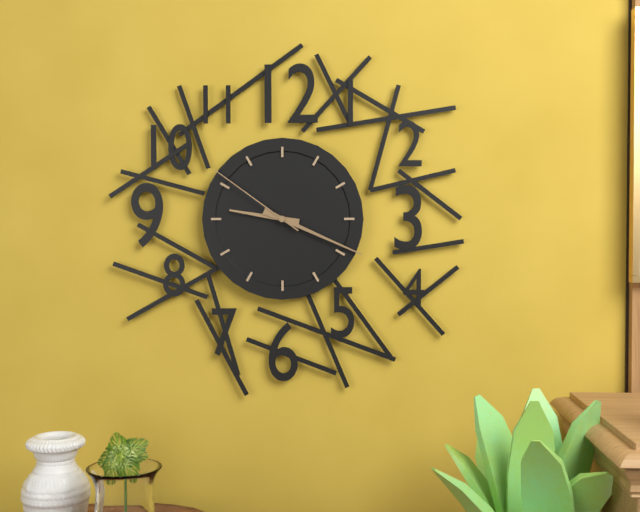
{"hour": 9, "minute": 19, "second": 51}
